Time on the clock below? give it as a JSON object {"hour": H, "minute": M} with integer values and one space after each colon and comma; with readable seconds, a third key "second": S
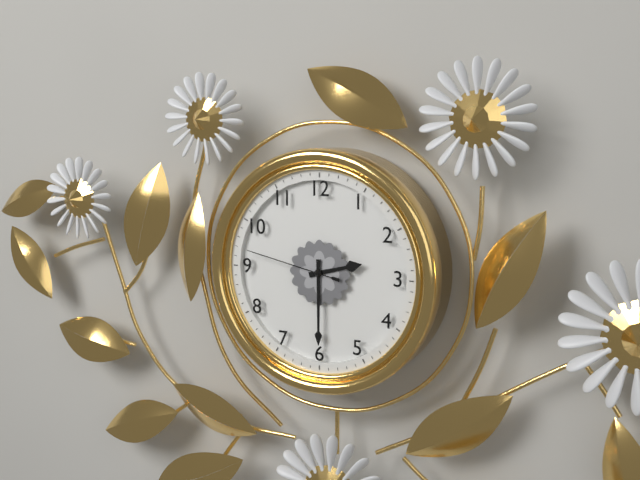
{"hour": 2, "minute": 30, "second": 47}
